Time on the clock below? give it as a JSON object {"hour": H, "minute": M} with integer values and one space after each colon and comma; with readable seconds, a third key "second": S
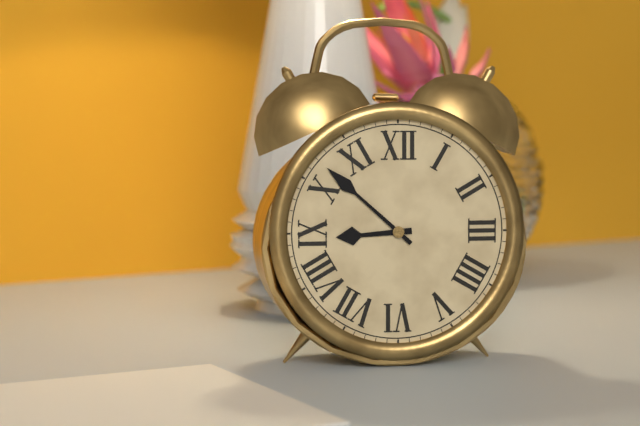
{"hour": 8, "minute": 52}
